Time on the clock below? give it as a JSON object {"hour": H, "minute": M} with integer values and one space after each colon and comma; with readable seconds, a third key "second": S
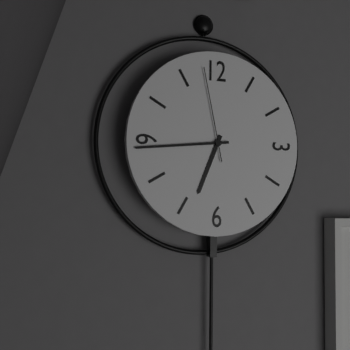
{"hour": 6, "minute": 44, "second": 58}
